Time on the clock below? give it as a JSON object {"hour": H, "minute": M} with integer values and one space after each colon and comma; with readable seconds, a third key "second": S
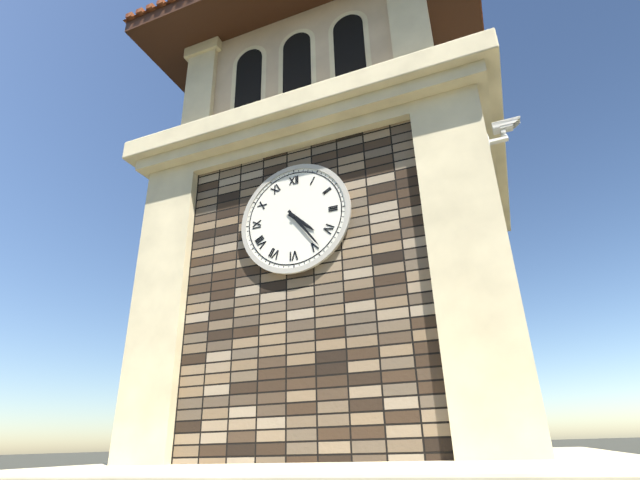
{"hour": 4, "minute": 24}
